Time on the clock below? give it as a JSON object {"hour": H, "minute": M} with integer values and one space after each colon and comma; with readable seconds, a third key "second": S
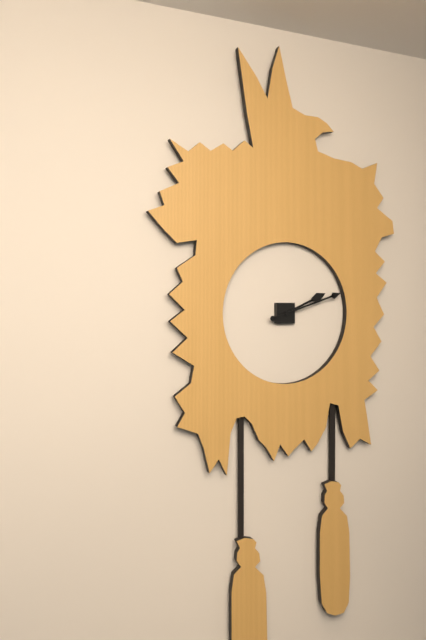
{"hour": 2, "minute": 12}
